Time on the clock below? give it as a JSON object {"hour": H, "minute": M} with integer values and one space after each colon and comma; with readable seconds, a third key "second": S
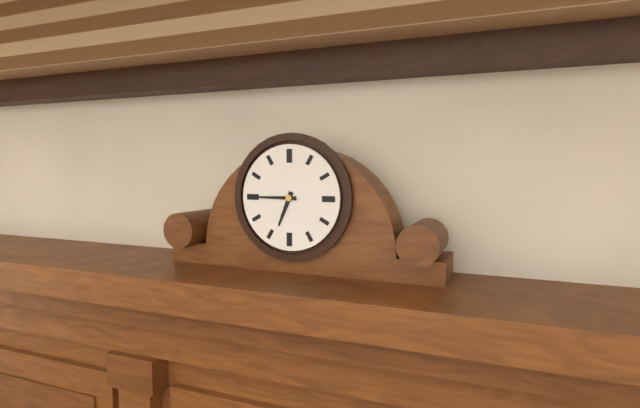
{"hour": 6, "minute": 45}
